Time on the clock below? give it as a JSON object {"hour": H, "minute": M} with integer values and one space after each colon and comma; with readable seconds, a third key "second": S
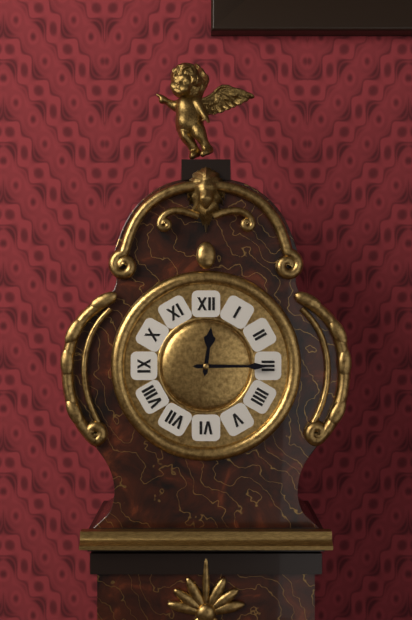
{"hour": 12, "minute": 15}
